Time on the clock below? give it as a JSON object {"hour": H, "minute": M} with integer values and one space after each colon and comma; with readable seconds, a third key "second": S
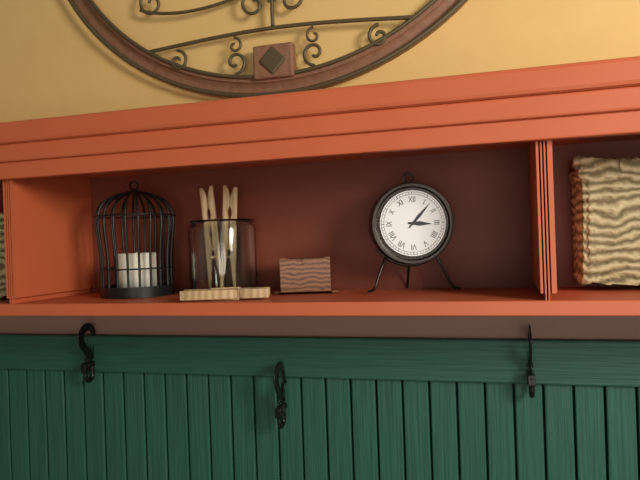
{"hour": 3, "minute": 7}
